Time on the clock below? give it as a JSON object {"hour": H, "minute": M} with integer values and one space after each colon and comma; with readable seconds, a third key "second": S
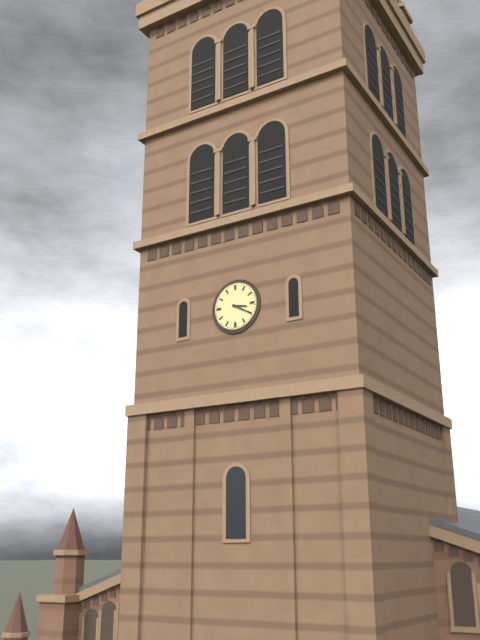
{"hour": 3, "minute": 20}
